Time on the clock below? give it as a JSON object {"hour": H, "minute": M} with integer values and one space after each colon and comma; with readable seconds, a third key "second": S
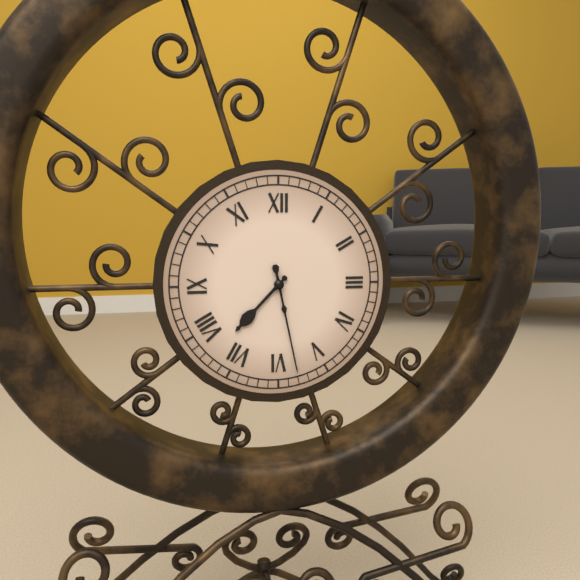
{"hour": 7, "minute": 28}
